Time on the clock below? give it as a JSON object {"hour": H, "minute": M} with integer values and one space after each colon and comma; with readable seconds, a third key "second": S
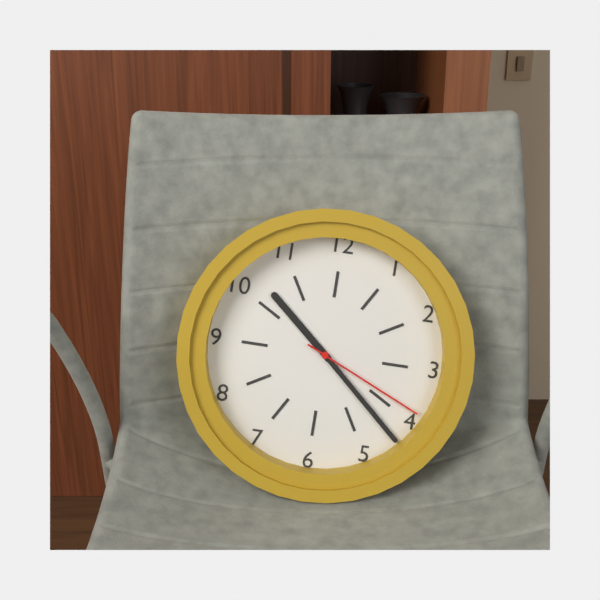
{"hour": 10, "minute": 22, "second": 19}
